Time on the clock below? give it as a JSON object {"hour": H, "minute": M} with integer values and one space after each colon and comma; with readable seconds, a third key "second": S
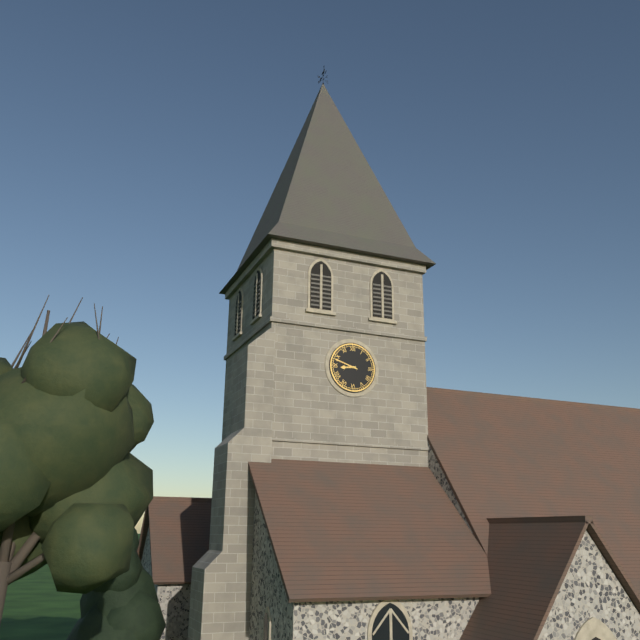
{"hour": 8, "minute": 48}
